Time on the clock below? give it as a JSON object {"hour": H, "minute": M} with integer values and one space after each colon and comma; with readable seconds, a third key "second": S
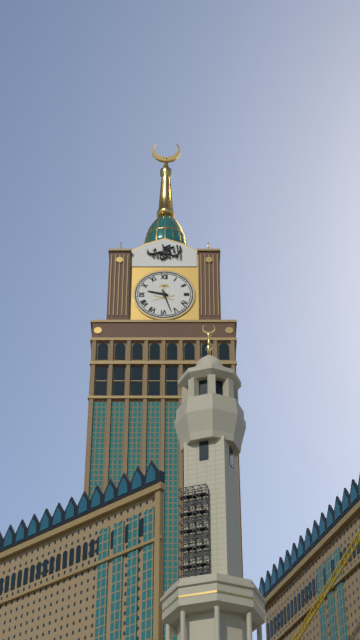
{"hour": 9, "minute": 27}
